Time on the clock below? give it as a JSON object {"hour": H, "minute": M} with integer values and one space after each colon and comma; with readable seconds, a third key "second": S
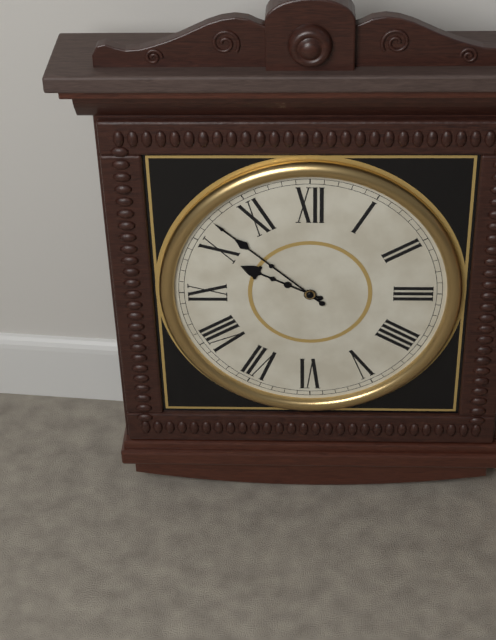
{"hour": 9, "minute": 52}
